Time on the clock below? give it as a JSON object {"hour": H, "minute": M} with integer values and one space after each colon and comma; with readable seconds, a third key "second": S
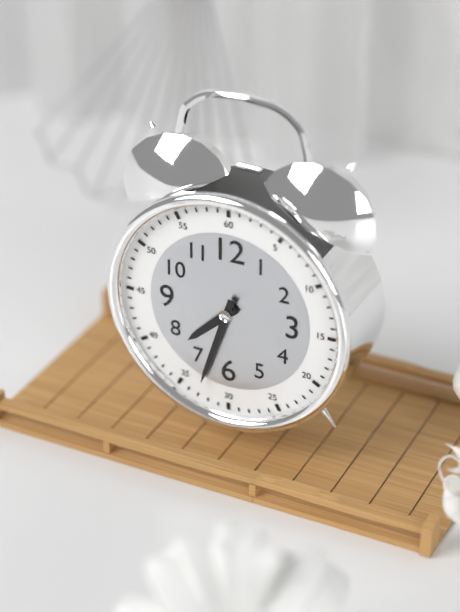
{"hour": 7, "minute": 33}
